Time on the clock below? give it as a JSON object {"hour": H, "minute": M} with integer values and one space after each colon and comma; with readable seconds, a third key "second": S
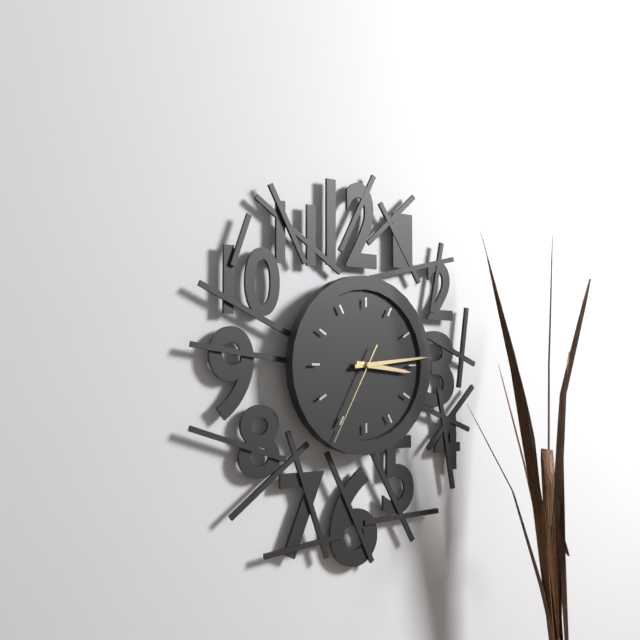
{"hour": 3, "minute": 14, "second": 35}
